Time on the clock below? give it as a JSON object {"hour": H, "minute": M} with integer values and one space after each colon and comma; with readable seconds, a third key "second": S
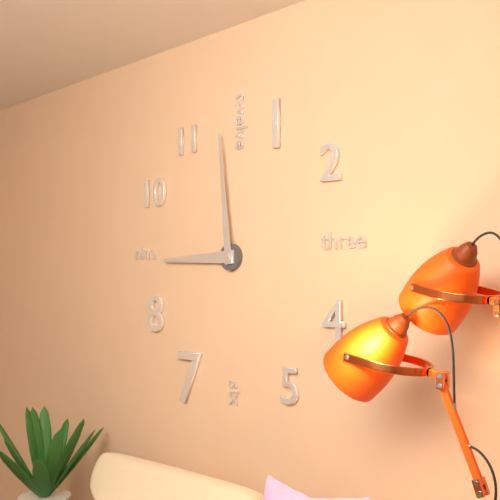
{"hour": 8, "minute": 59}
